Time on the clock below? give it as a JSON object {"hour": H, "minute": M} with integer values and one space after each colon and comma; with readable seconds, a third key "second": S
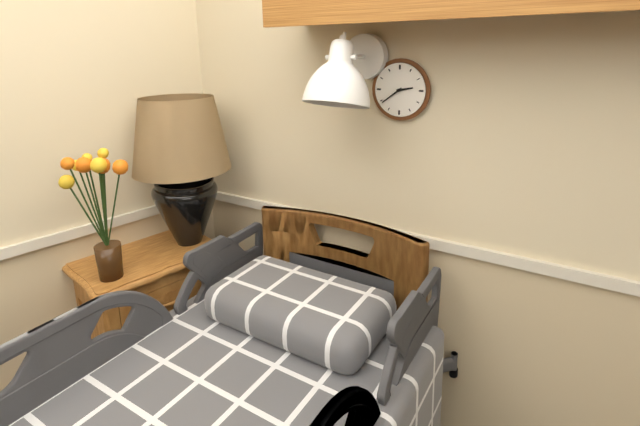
{"hour": 2, "minute": 39}
